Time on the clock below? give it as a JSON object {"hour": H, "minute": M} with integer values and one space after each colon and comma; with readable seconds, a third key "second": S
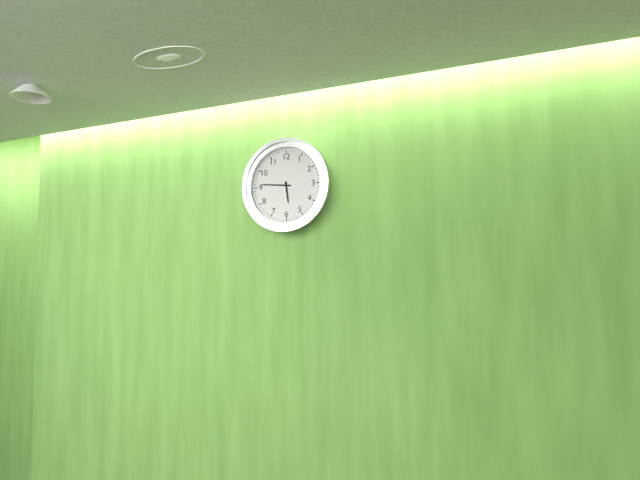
{"hour": 5, "minute": 46}
